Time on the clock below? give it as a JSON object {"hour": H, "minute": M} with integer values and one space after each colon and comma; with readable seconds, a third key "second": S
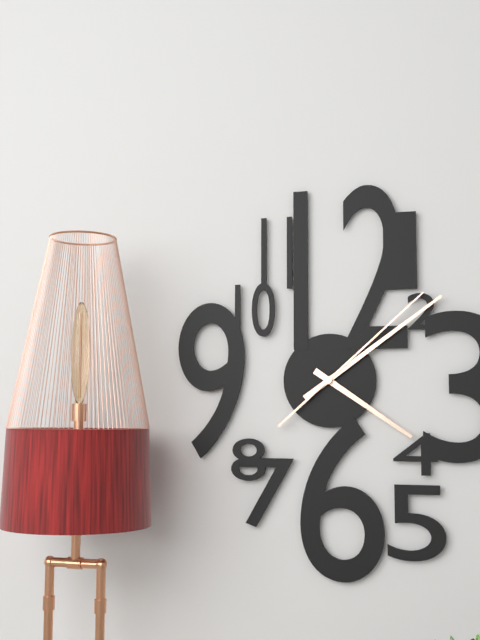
{"hour": 4, "minute": 9, "second": 8}
